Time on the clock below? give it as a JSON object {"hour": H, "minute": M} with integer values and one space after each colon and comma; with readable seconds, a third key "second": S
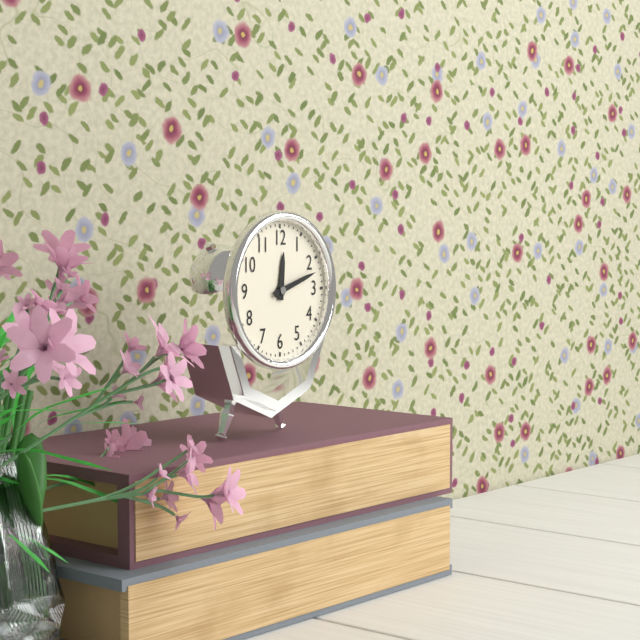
{"hour": 12, "minute": 12}
